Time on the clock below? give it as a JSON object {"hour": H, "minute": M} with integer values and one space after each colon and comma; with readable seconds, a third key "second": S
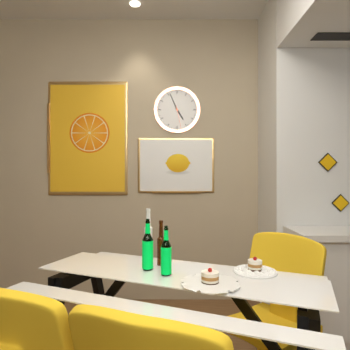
{"hour": 4, "minute": 56}
